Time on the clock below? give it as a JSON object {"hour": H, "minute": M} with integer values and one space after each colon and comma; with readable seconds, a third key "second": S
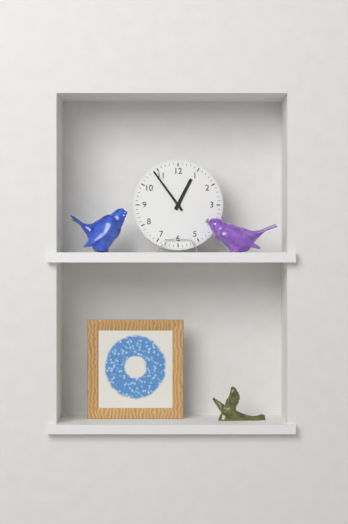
{"hour": 12, "minute": 54}
